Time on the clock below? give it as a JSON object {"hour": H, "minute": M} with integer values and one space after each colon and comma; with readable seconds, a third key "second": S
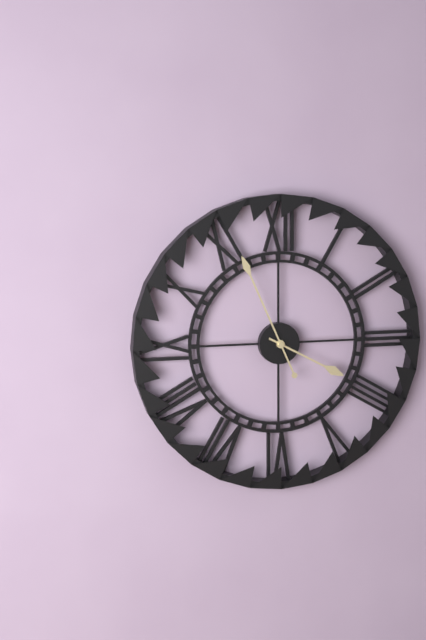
{"hour": 3, "minute": 56}
